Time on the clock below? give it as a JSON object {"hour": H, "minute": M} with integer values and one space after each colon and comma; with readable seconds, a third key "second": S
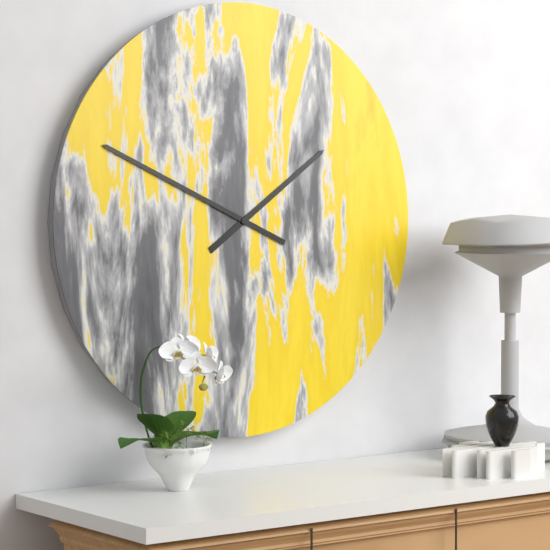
{"hour": 1, "minute": 49}
